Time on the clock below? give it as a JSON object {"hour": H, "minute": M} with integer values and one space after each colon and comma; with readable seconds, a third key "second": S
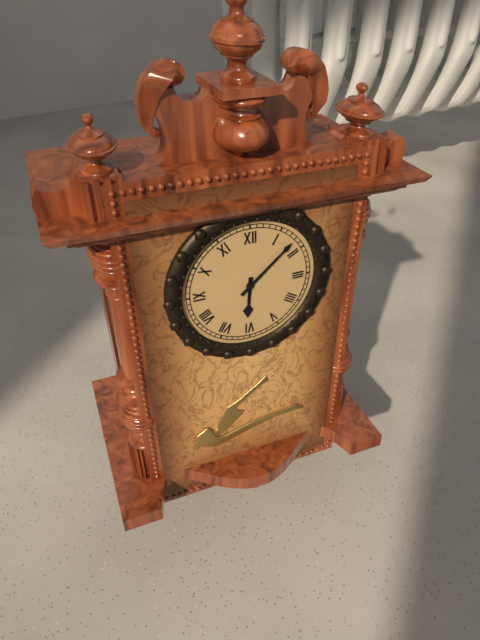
{"hour": 6, "minute": 8}
